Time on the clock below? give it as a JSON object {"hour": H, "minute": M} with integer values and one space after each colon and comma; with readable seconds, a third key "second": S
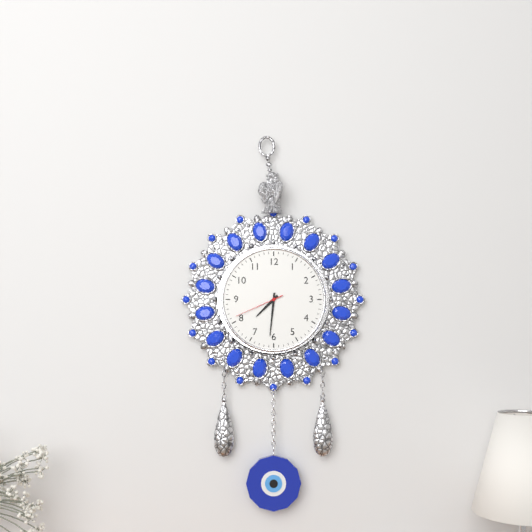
{"hour": 7, "minute": 31, "second": 41}
